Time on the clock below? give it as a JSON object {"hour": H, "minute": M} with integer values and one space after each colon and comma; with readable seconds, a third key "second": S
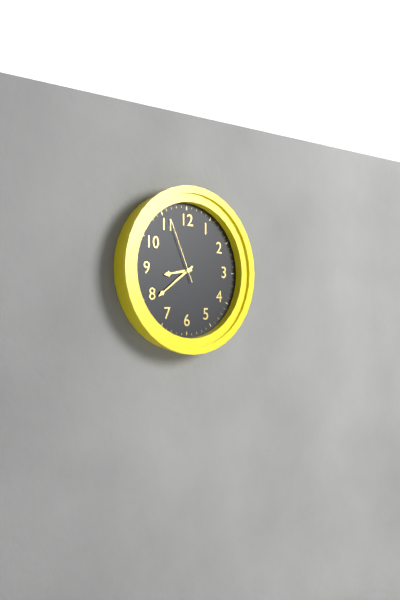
{"hour": 8, "minute": 39, "second": 56}
